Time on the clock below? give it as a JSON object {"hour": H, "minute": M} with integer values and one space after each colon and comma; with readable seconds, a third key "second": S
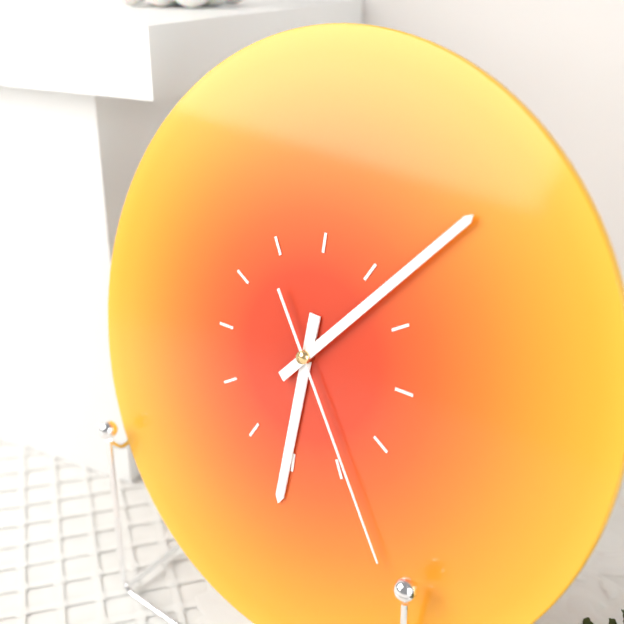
{"hour": 6, "minute": 7, "second": 24}
